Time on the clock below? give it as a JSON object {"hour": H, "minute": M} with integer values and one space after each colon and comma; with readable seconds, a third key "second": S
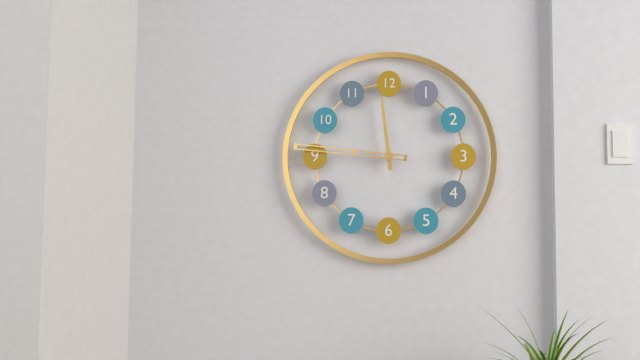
{"hour": 11, "minute": 46}
